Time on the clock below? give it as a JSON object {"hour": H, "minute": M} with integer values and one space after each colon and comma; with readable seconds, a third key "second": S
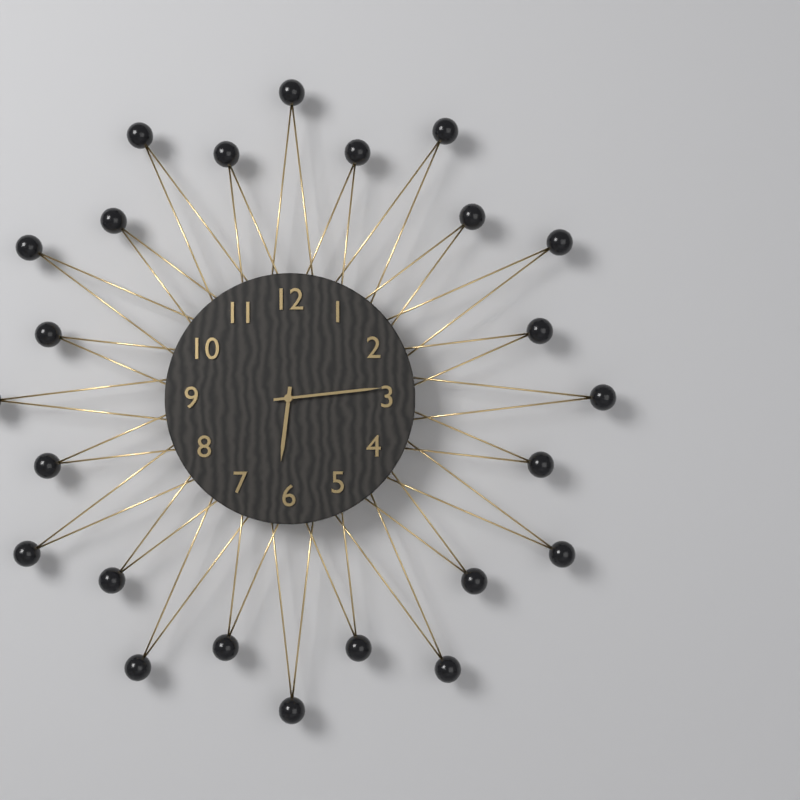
{"hour": 6, "minute": 14}
